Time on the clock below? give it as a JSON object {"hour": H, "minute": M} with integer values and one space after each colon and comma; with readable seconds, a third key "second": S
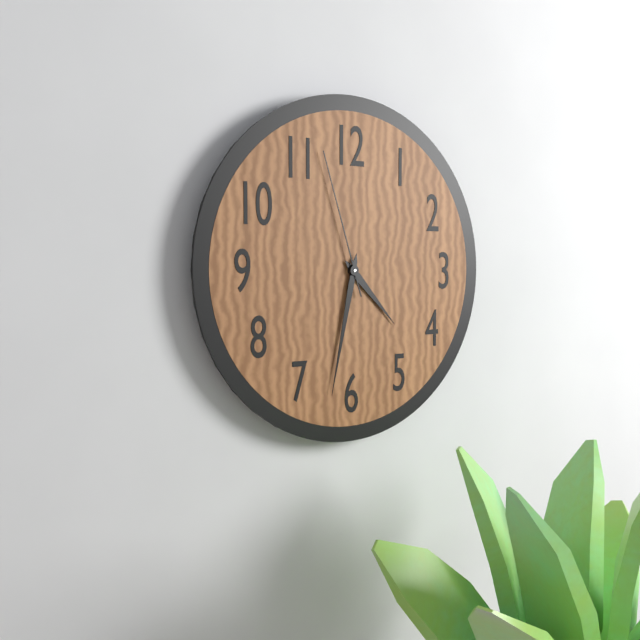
{"hour": 4, "minute": 32, "second": 57}
